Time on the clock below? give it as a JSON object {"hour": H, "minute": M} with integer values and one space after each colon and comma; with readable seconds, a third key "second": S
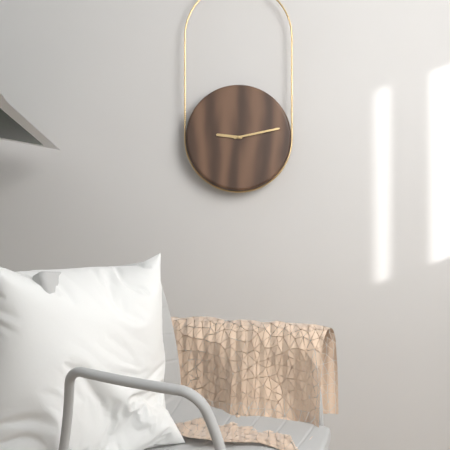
{"hour": 9, "minute": 13}
